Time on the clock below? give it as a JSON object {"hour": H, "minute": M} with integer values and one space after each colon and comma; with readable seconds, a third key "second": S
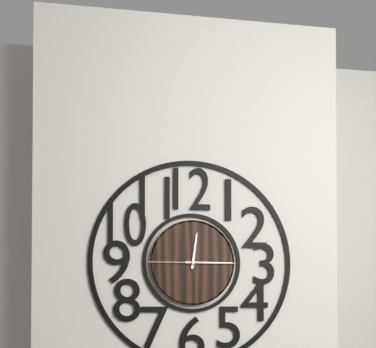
{"hour": 12, "minute": 15, "second": 45}
